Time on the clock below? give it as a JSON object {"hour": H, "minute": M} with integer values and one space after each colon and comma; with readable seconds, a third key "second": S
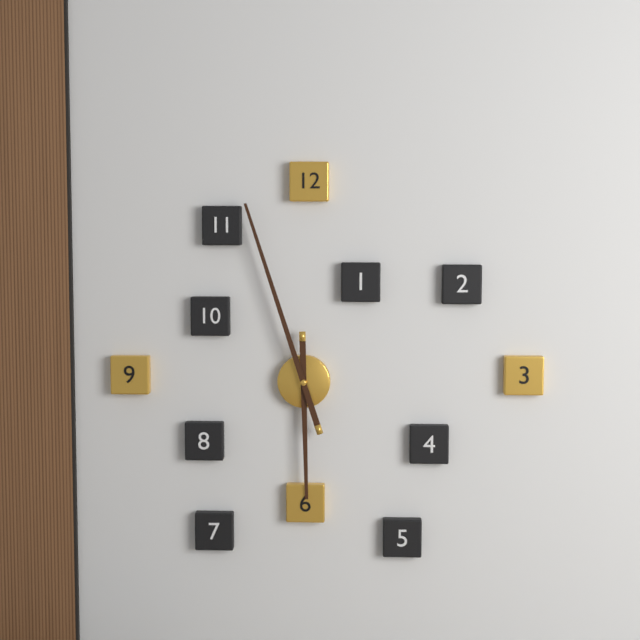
{"hour": 5, "minute": 57}
